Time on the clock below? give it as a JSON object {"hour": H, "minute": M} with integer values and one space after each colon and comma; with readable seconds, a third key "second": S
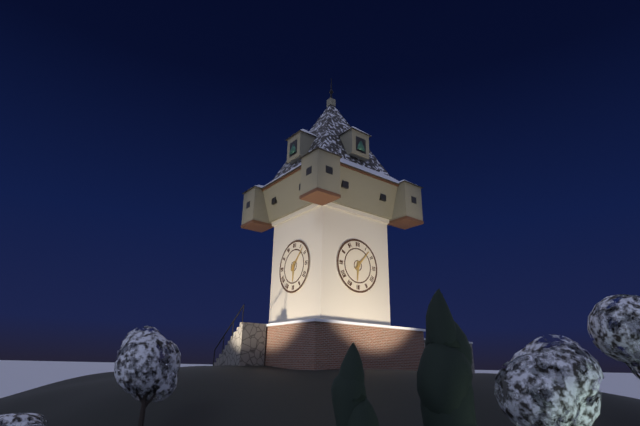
{"hour": 6, "minute": 7}
